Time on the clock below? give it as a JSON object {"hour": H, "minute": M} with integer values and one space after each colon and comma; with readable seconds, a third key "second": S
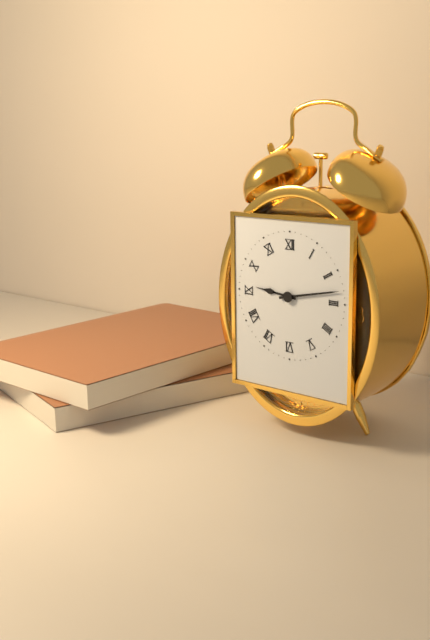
{"hour": 9, "minute": 13}
